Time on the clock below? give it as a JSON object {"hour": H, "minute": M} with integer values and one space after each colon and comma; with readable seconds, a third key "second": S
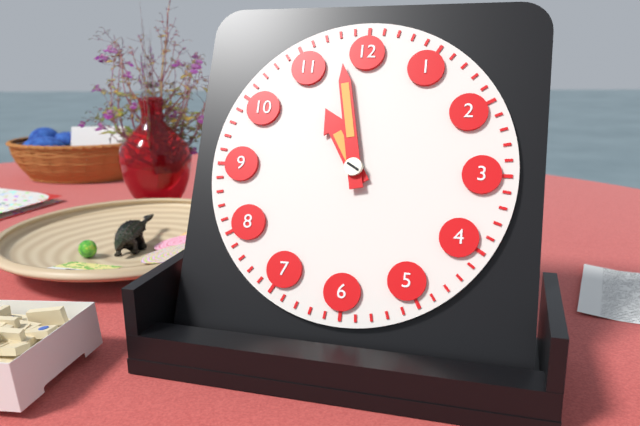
{"hour": 10, "minute": 58}
